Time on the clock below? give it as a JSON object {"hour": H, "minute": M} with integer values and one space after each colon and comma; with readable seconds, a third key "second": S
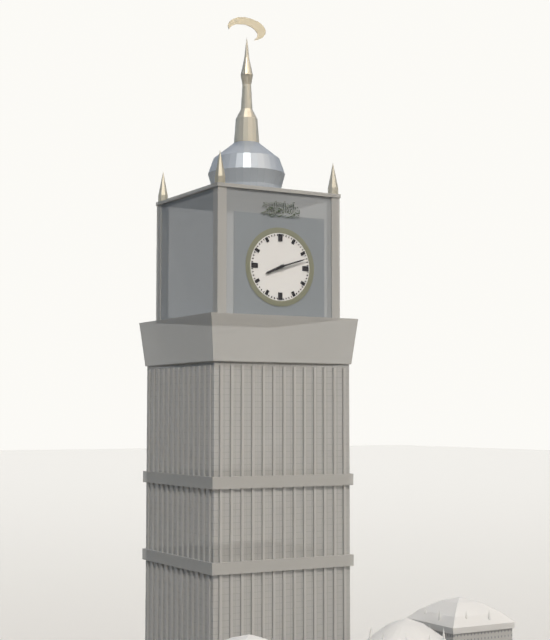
{"hour": 8, "minute": 12}
